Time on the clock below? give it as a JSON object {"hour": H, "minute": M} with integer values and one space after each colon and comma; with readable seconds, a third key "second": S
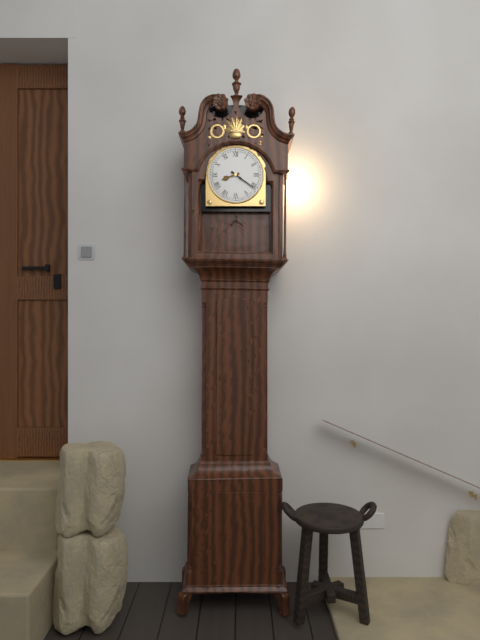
{"hour": 8, "minute": 21}
